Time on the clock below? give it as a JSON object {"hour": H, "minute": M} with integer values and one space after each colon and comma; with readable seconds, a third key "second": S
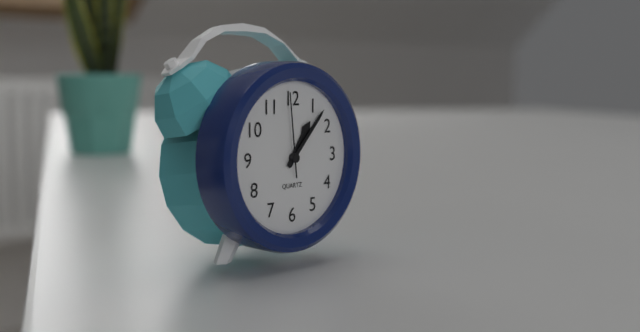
{"hour": 1, "minute": 7, "second": 59}
